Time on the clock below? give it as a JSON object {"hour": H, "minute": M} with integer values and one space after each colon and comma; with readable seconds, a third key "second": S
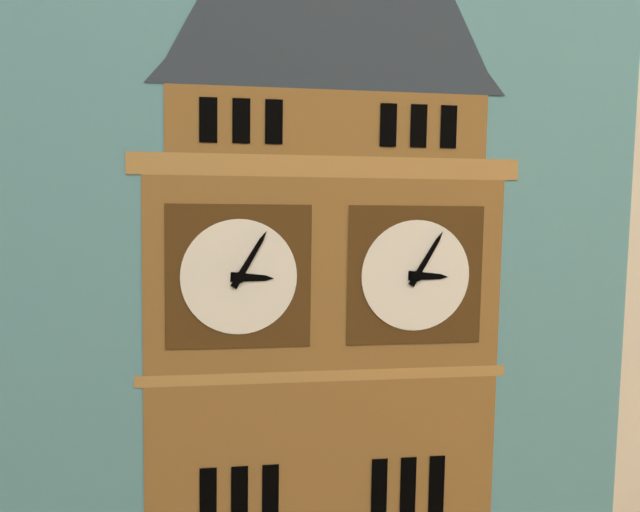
{"hour": 3, "minute": 5}
